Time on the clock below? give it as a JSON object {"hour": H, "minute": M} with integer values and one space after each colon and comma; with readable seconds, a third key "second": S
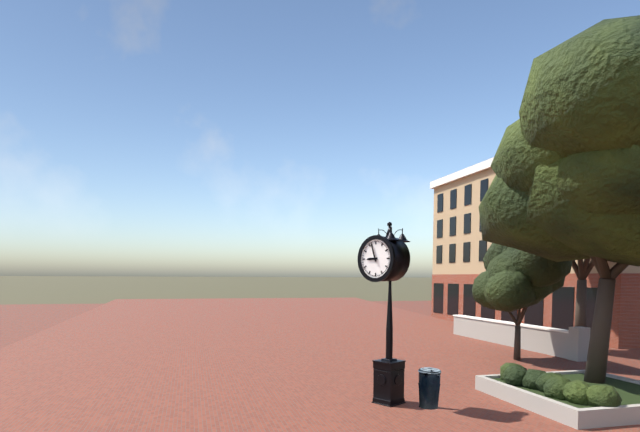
{"hour": 8, "minute": 57}
